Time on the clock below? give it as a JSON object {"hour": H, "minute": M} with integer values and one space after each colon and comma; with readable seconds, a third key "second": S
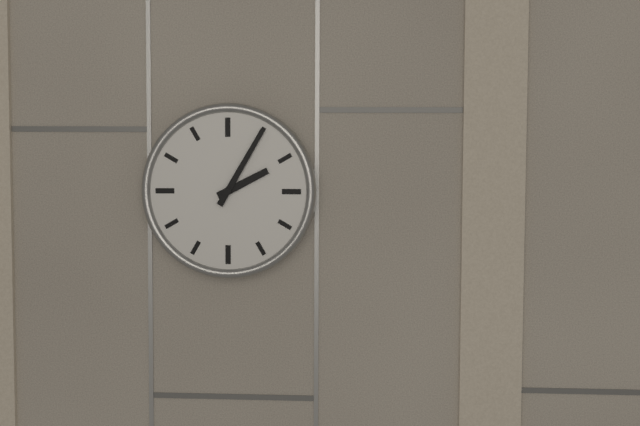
{"hour": 2, "minute": 5}
